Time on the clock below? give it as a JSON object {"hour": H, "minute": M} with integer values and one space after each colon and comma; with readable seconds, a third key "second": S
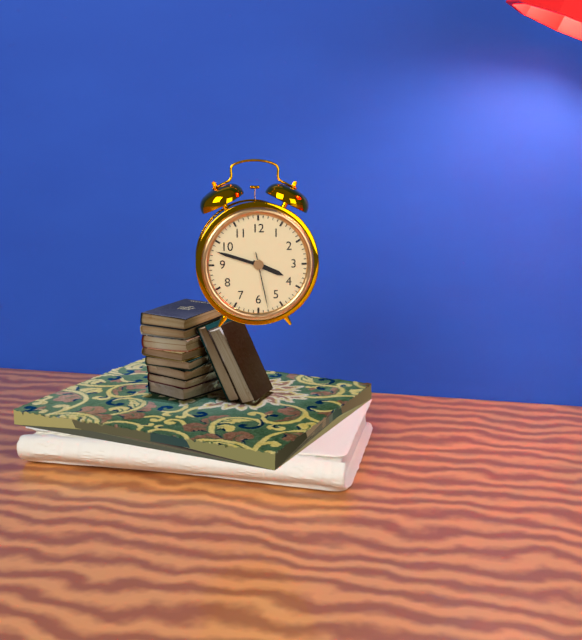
{"hour": 3, "minute": 48, "second": 28}
